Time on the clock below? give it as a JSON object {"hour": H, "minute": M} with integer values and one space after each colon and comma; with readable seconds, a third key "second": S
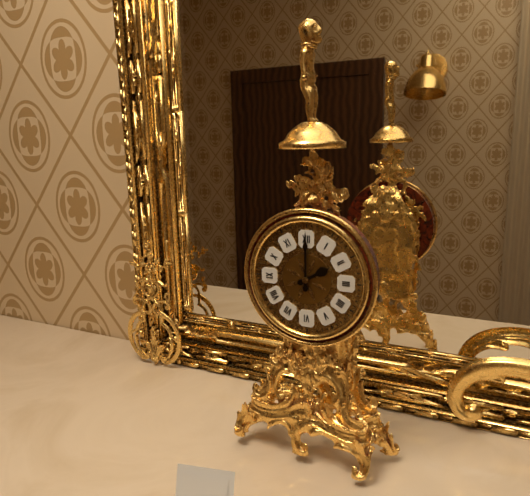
{"hour": 2, "minute": 0}
